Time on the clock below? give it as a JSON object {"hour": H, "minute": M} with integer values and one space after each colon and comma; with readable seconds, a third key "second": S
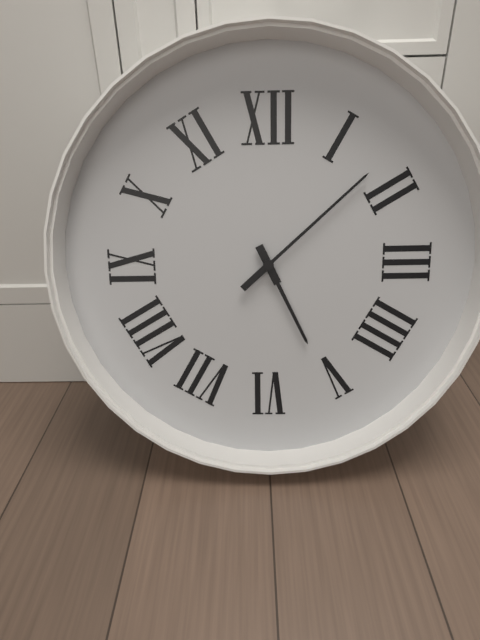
{"hour": 5, "minute": 8}
